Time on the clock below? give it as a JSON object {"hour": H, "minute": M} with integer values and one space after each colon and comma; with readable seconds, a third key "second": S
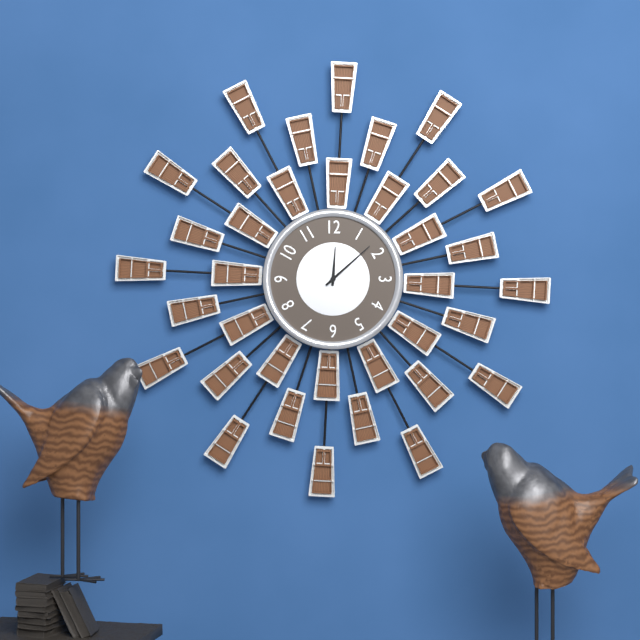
{"hour": 12, "minute": 8}
